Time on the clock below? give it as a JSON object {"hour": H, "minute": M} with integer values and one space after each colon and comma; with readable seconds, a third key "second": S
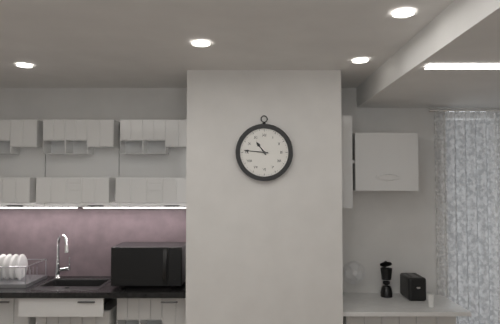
{"hour": 10, "minute": 46}
